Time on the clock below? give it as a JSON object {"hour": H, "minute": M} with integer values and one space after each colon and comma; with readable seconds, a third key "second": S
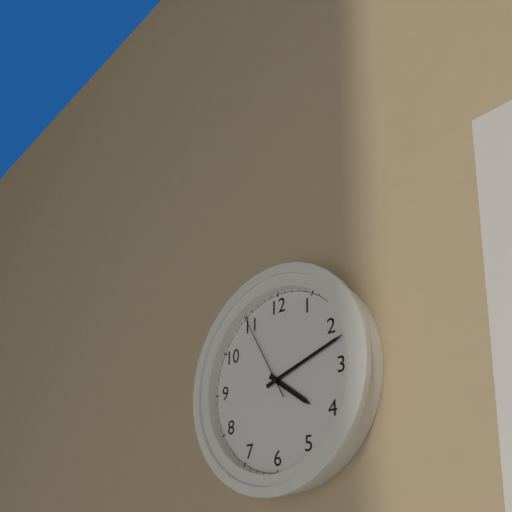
{"hour": 4, "minute": 12, "second": 55}
